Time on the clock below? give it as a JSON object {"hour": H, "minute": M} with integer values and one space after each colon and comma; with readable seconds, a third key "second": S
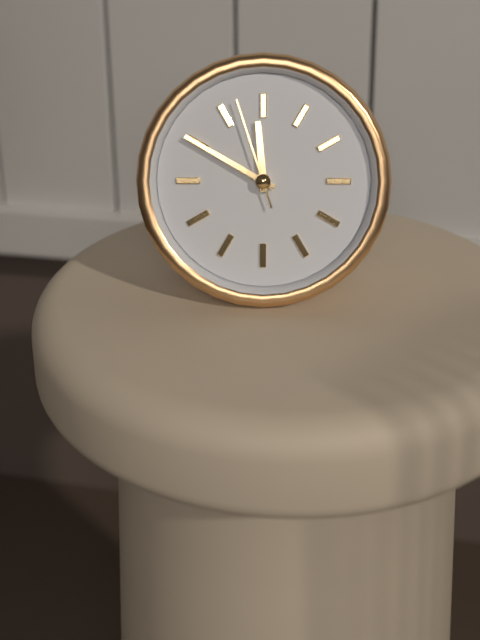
{"hour": 11, "minute": 50, "second": 57}
